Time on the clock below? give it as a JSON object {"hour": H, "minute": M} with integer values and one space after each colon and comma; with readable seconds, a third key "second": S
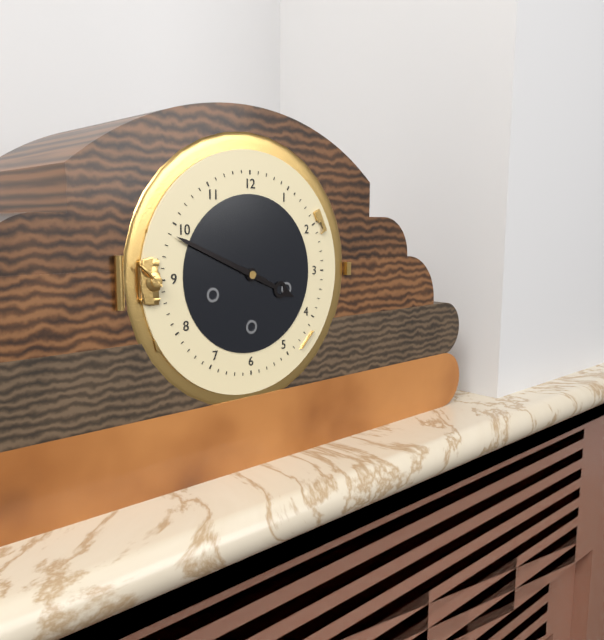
{"hour": 3, "minute": 49}
